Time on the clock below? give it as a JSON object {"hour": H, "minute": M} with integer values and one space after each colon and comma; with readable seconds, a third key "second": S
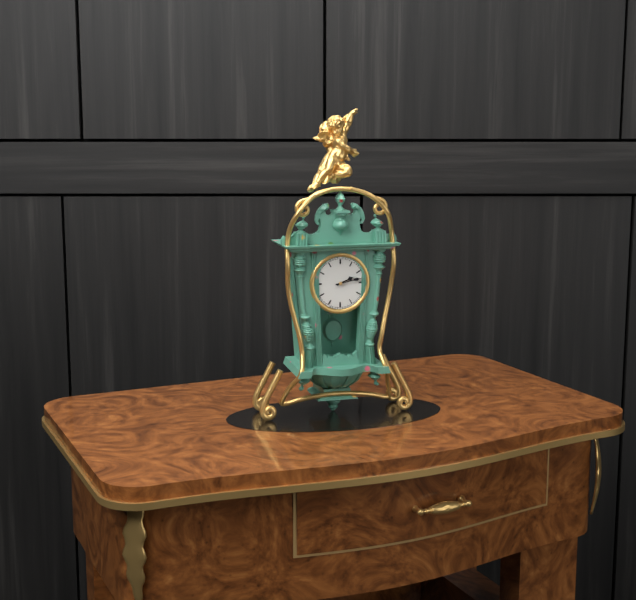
{"hour": 2, "minute": 13}
